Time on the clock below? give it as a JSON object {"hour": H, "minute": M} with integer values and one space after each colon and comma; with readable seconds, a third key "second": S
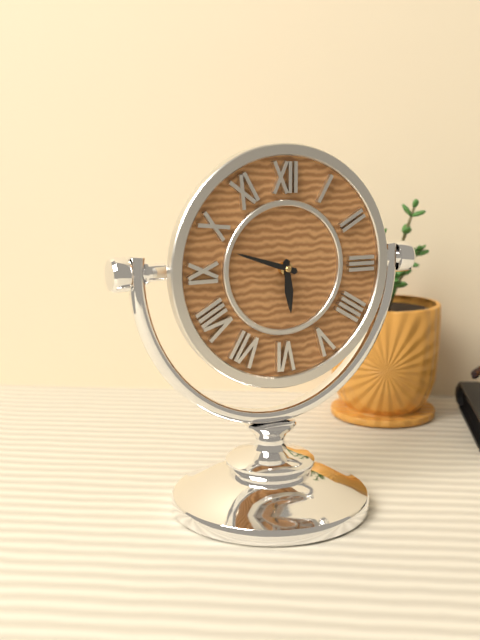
{"hour": 5, "minute": 48}
